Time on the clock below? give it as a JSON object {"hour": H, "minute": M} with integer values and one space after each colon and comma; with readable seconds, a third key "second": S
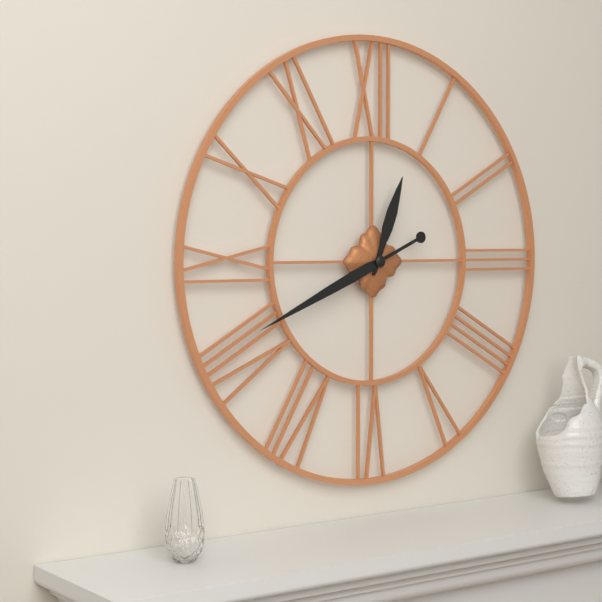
{"hour": 12, "minute": 41}
